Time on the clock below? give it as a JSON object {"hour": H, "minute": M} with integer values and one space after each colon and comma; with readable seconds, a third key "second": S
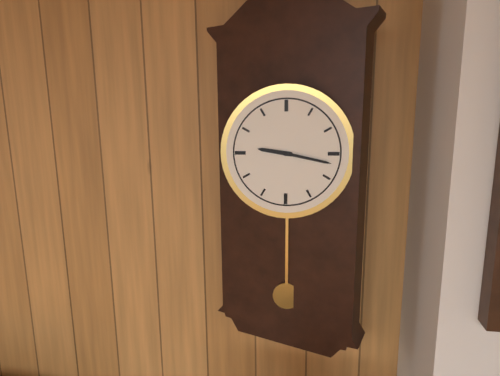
{"hour": 9, "minute": 17}
